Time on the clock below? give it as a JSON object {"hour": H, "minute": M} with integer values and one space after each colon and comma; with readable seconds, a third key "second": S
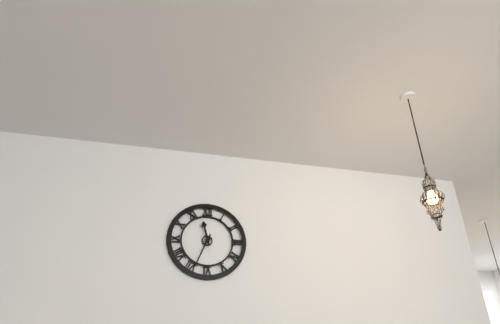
{"hour": 11, "minute": 34}
